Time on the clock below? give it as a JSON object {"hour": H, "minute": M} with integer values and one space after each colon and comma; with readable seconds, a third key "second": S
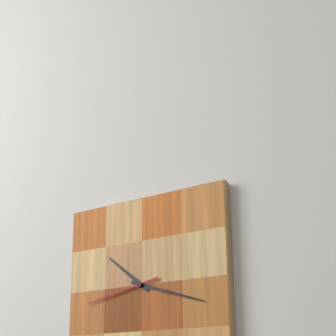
{"hour": 10, "minute": 18, "second": 43}
